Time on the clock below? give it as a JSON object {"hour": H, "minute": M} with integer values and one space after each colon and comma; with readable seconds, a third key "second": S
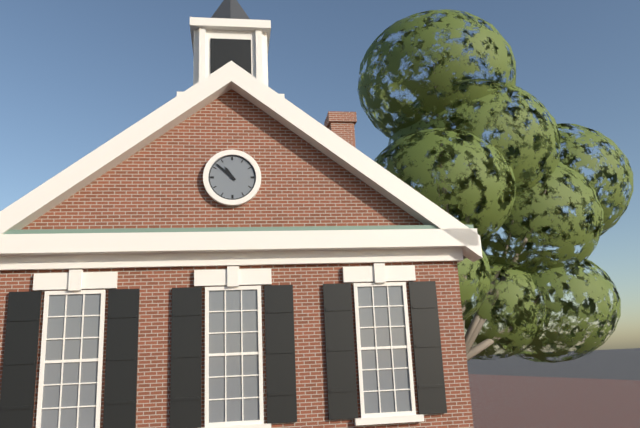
{"hour": 10, "minute": 52}
